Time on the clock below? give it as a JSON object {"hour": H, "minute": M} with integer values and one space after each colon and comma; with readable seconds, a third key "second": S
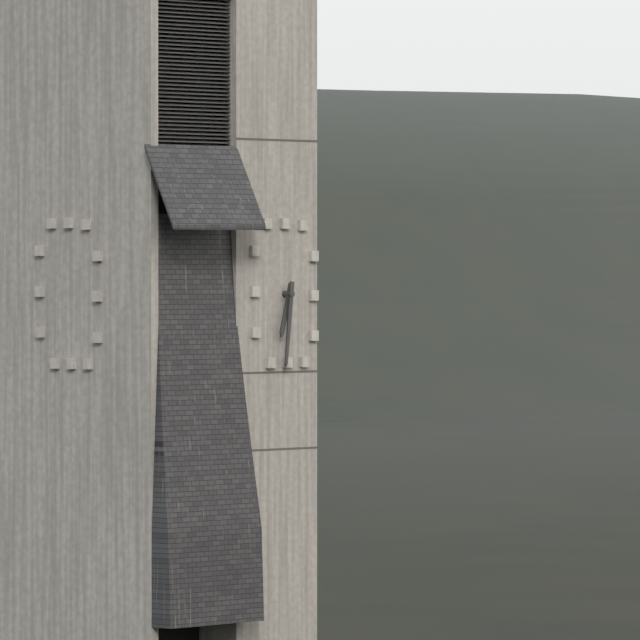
{"hour": 6, "minute": 31}
